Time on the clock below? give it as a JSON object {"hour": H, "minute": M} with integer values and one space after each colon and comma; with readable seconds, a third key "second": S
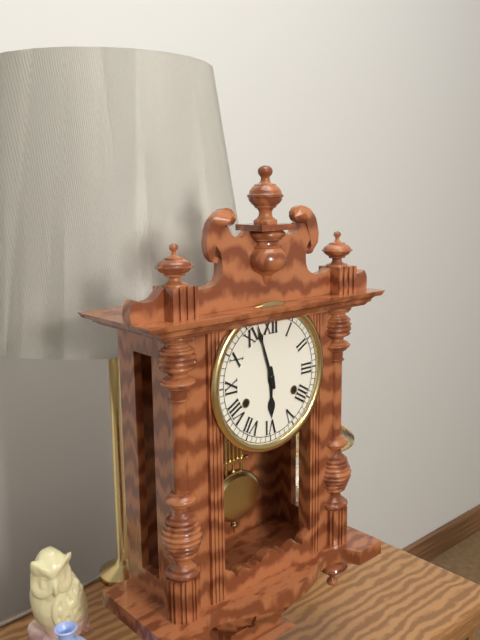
{"hour": 5, "minute": 57}
